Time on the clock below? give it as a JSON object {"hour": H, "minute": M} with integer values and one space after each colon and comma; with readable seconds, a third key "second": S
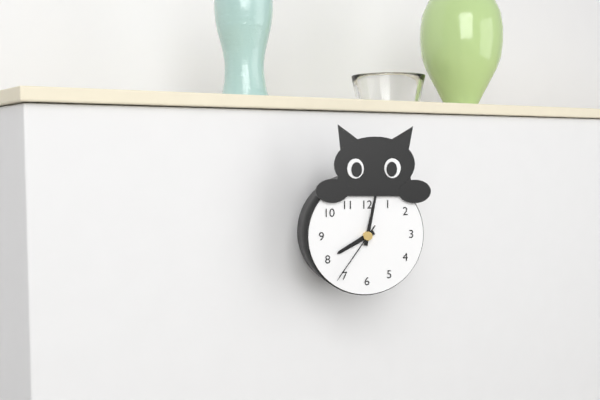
{"hour": 8, "minute": 2, "second": 36}
